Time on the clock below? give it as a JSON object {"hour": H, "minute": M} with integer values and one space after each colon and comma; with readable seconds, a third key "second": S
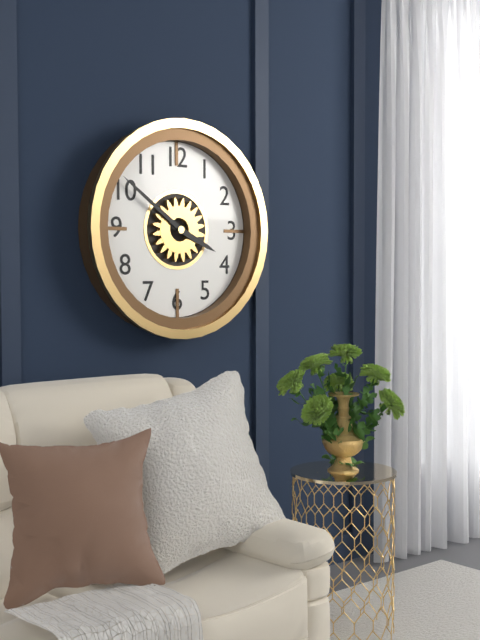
{"hour": 3, "minute": 51}
